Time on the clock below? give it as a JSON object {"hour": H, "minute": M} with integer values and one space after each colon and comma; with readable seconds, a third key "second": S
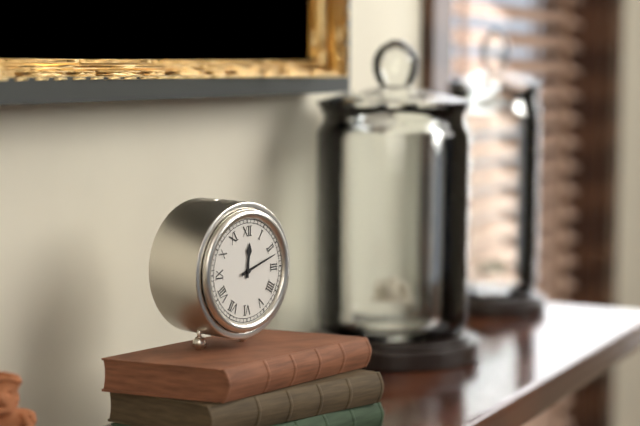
{"hour": 12, "minute": 12}
